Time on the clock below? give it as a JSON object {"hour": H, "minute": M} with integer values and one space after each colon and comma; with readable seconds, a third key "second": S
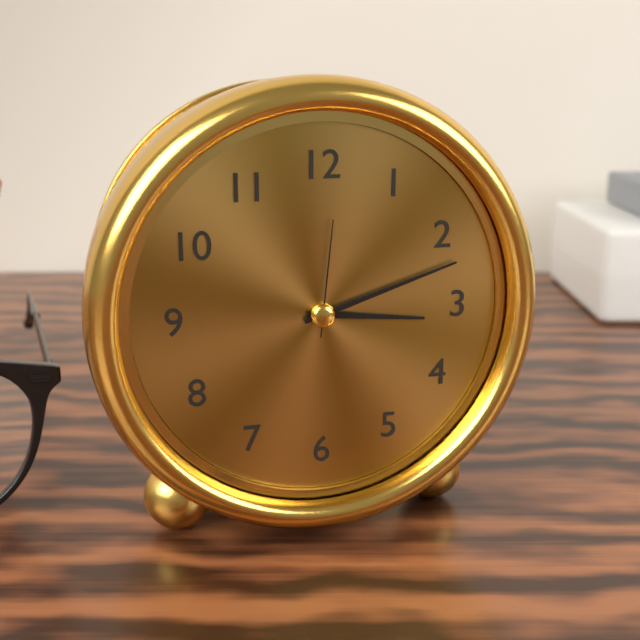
{"hour": 3, "minute": 12, "second": 1}
